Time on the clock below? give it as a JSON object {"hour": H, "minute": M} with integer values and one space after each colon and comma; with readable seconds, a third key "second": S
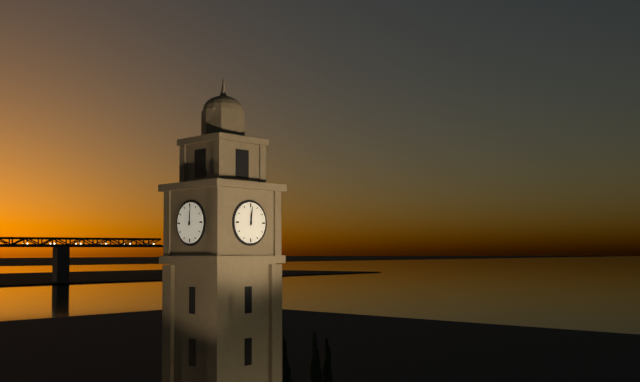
{"hour": 12, "minute": 1}
